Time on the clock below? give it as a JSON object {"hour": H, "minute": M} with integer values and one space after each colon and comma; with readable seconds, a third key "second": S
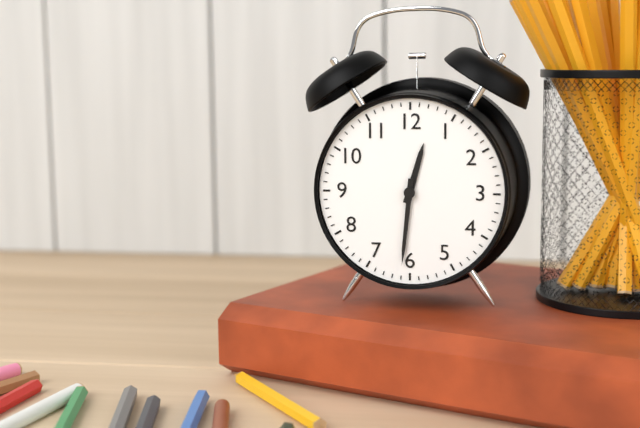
{"hour": 12, "minute": 31}
